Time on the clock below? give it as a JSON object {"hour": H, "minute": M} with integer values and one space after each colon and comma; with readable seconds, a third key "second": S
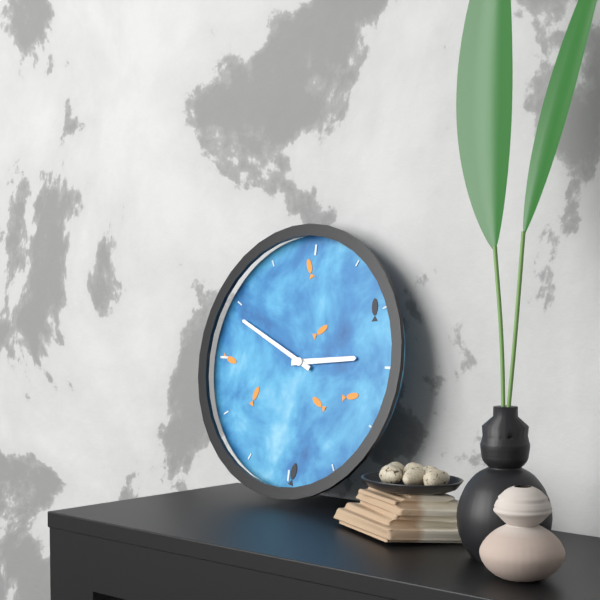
{"hour": 2, "minute": 49}
